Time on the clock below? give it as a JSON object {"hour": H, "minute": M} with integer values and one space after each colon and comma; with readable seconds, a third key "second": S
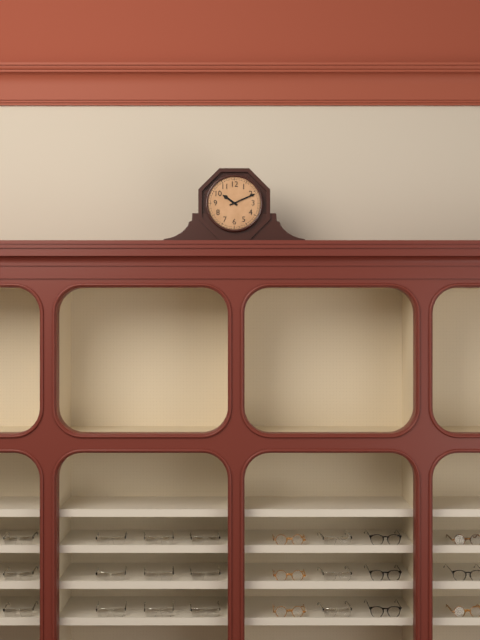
{"hour": 10, "minute": 11}
